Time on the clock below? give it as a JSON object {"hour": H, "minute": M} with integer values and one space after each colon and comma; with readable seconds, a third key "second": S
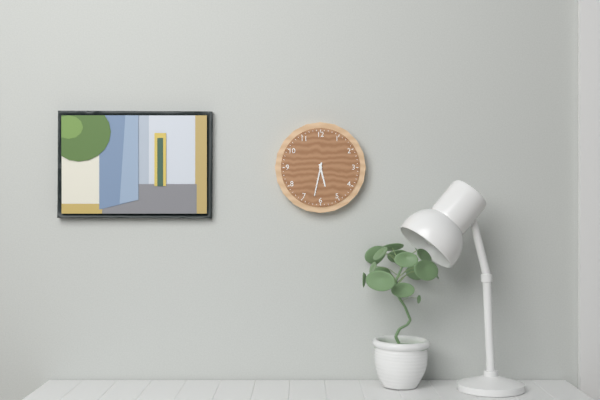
{"hour": 5, "minute": 32}
